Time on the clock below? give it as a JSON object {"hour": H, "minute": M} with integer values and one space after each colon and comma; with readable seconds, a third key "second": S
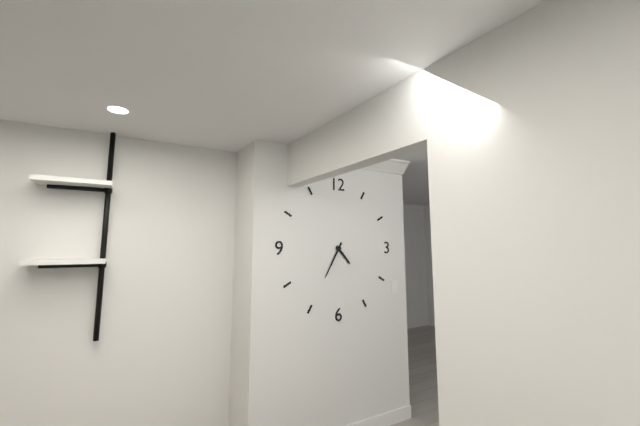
{"hour": 4, "minute": 35}
